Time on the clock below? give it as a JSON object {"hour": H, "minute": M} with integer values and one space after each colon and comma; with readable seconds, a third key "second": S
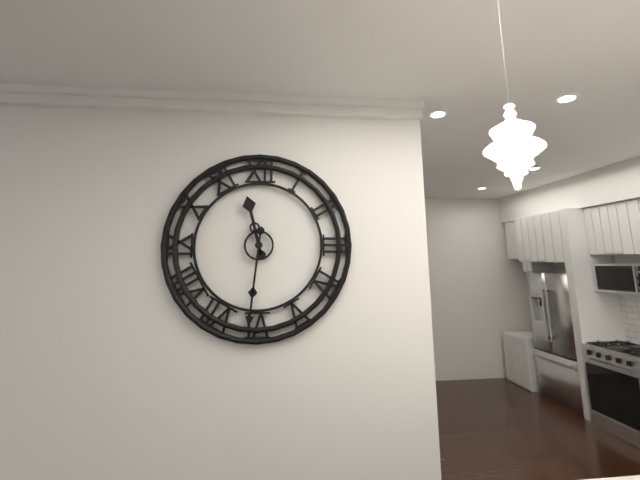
{"hour": 11, "minute": 31}
